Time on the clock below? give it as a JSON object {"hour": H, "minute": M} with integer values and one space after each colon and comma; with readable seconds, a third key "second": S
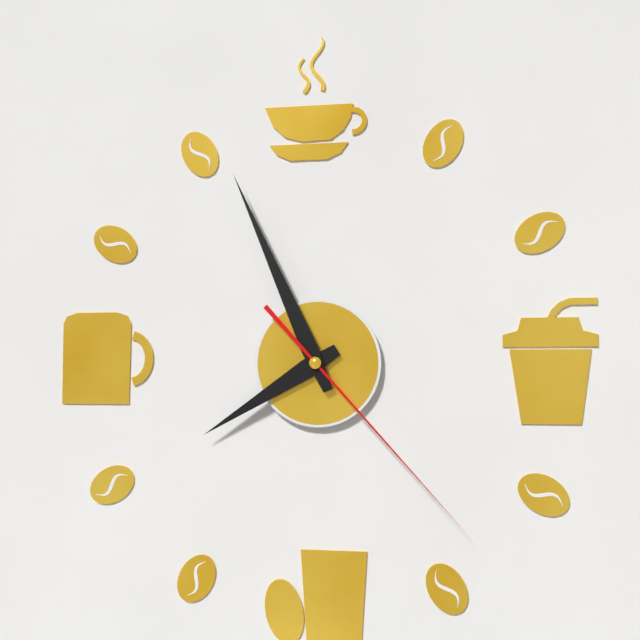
{"hour": 7, "minute": 56, "second": 23}
